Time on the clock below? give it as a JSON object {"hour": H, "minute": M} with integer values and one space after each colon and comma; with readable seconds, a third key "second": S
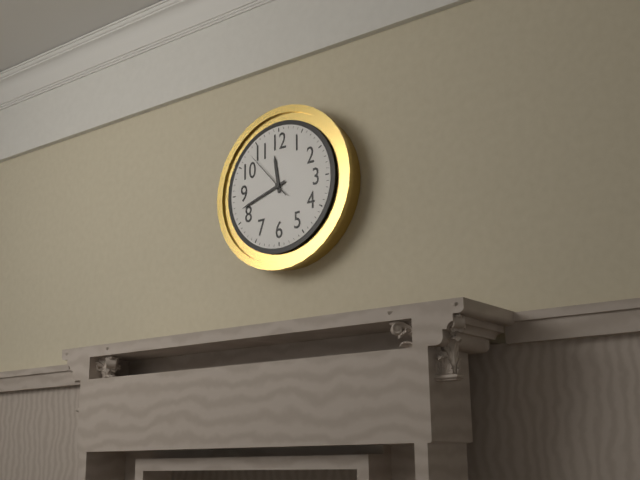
{"hour": 11, "minute": 42, "second": 53}
